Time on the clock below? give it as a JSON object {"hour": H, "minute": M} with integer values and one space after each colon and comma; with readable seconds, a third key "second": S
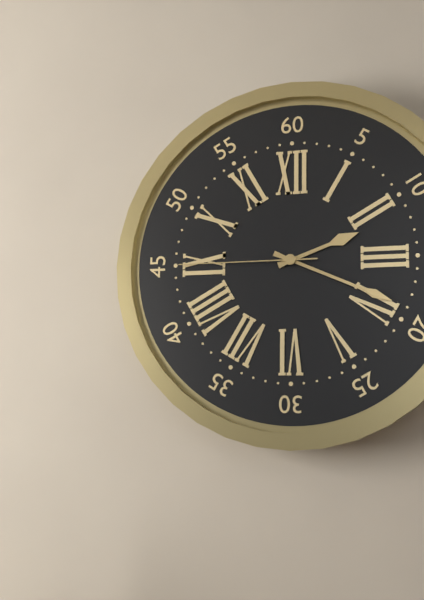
{"hour": 2, "minute": 19, "second": 45}
